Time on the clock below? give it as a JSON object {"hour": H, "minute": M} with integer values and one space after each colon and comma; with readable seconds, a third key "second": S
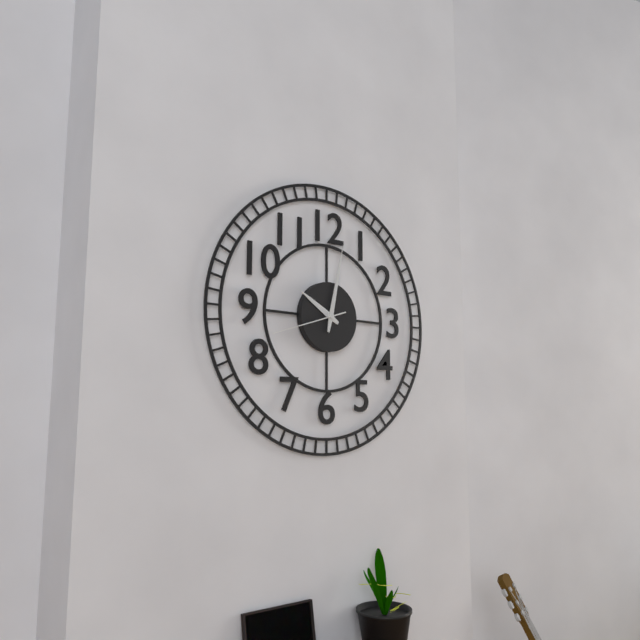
{"hour": 10, "minute": 2, "second": 42}
